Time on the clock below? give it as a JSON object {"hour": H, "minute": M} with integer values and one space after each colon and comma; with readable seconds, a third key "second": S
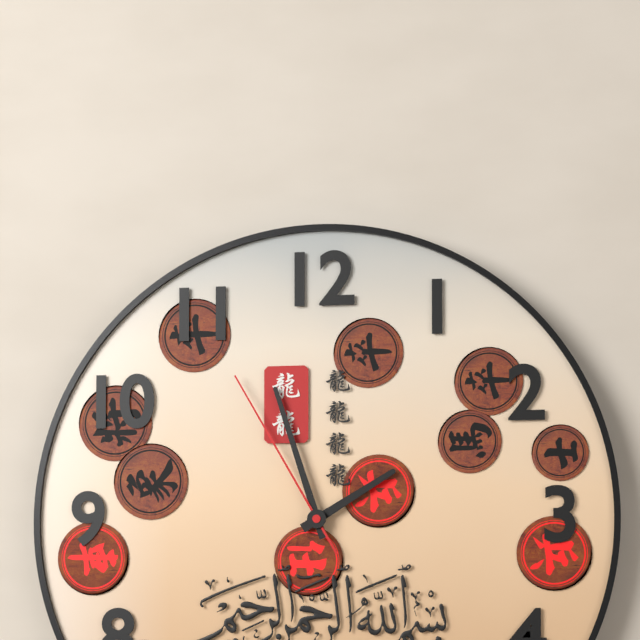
{"hour": 1, "minute": 57, "second": 55}
